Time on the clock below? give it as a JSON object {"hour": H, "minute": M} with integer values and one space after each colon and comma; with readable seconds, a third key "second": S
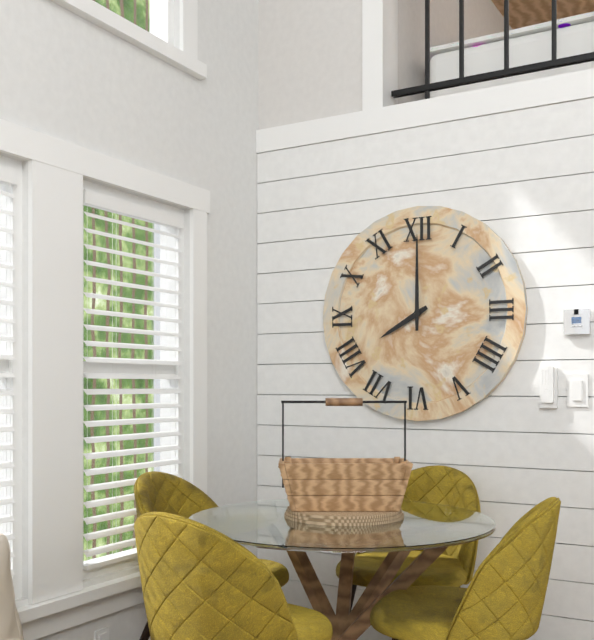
{"hour": 8, "minute": 0}
